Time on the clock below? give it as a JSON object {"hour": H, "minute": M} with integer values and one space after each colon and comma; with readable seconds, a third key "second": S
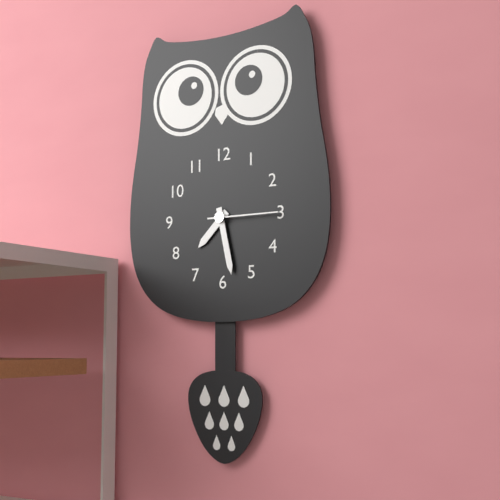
{"hour": 7, "minute": 28, "second": 15}
